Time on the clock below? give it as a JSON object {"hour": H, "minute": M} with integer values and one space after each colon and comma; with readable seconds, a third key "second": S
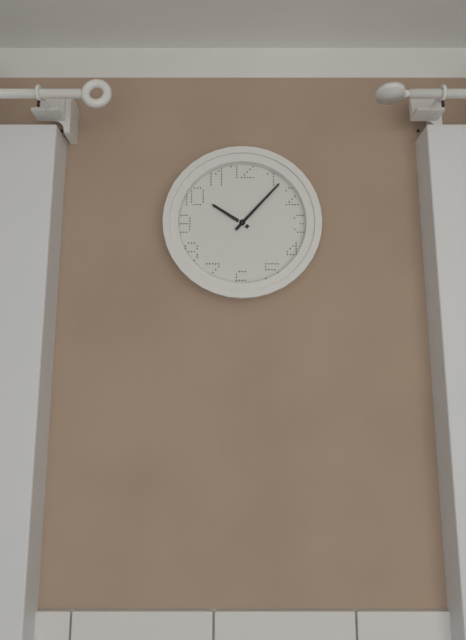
{"hour": 10, "minute": 7}
